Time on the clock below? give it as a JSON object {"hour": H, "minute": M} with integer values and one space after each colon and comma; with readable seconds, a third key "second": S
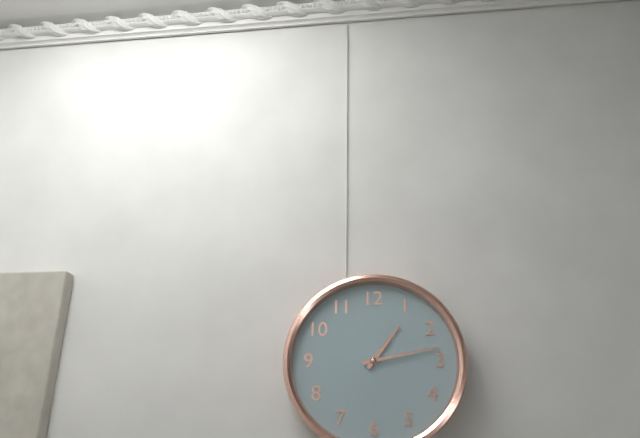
{"hour": 1, "minute": 13}
